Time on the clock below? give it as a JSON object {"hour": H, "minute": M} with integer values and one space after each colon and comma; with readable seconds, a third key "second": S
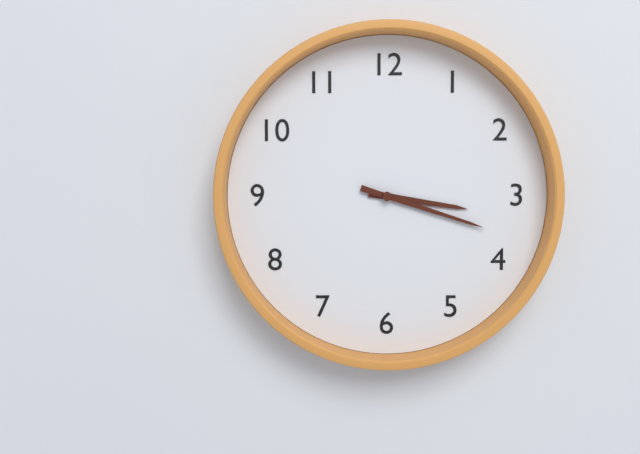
{"hour": 3, "minute": 18}
